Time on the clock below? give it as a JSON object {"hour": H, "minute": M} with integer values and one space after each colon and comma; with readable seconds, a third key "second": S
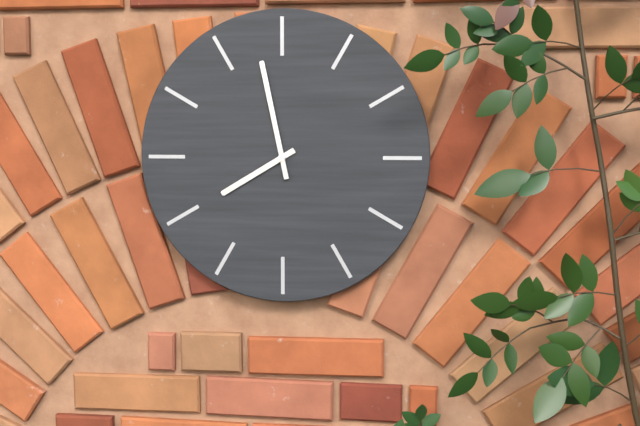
{"hour": 7, "minute": 58}
